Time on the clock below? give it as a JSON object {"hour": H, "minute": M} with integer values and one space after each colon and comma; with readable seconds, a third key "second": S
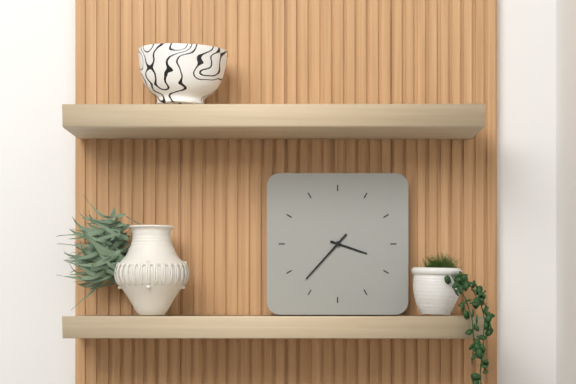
{"hour": 3, "minute": 37}
